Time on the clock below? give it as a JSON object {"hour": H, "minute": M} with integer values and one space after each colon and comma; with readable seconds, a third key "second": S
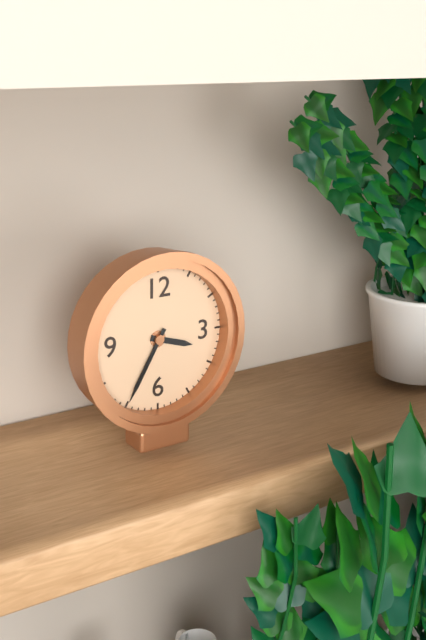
{"hour": 3, "minute": 35}
